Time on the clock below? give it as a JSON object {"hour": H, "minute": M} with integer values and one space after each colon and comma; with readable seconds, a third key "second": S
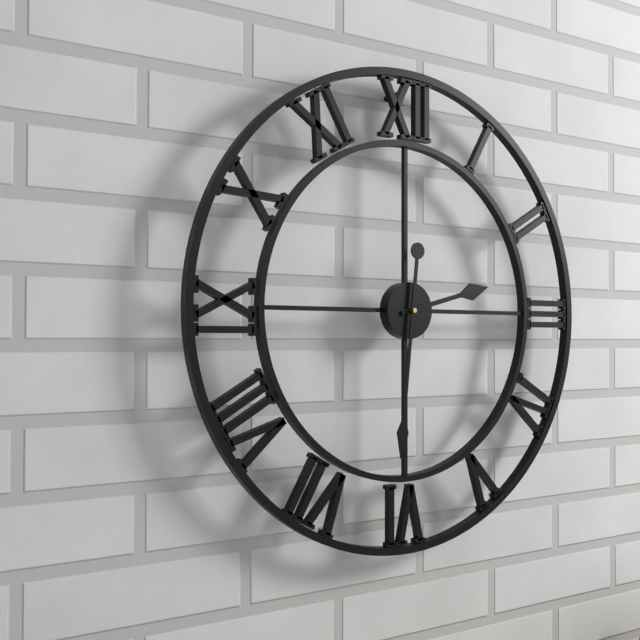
{"hour": 2, "minute": 31}
